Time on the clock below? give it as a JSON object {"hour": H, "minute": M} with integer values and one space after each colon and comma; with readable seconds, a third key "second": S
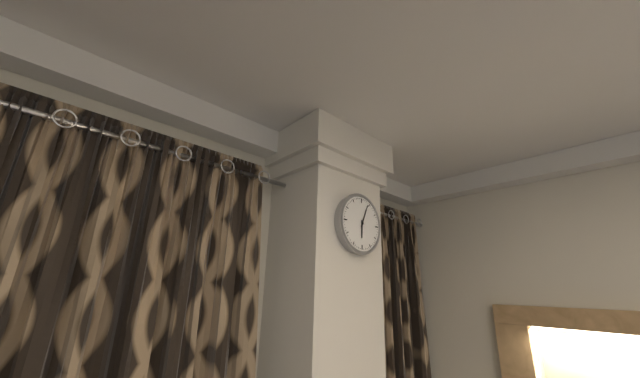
{"hour": 6, "minute": 4}
